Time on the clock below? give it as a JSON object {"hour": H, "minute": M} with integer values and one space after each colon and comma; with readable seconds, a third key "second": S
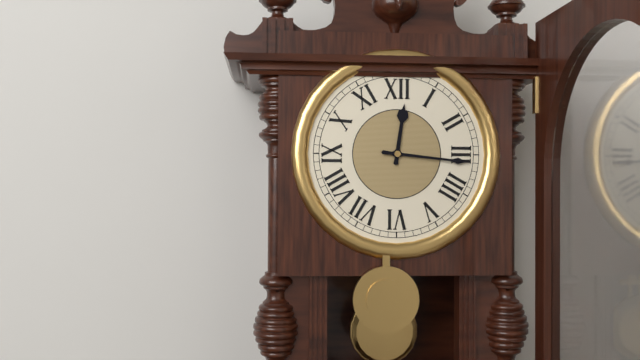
{"hour": 12, "minute": 16}
